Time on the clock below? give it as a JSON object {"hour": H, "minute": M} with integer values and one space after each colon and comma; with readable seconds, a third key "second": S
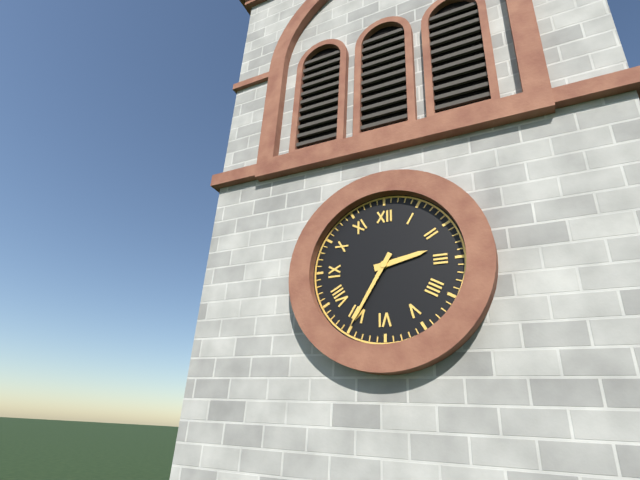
{"hour": 2, "minute": 35}
